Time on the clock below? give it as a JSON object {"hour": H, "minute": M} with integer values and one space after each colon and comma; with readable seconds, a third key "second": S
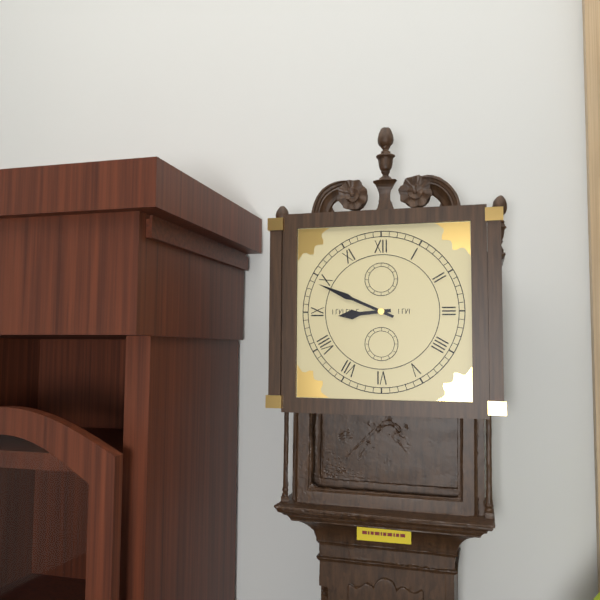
{"hour": 8, "minute": 49}
